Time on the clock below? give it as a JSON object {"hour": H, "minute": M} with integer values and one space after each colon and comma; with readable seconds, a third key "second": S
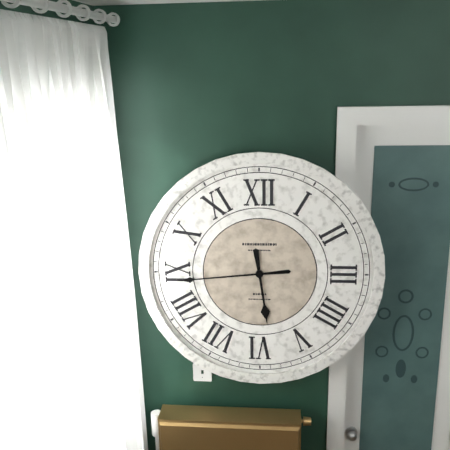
{"hour": 5, "minute": 44}
